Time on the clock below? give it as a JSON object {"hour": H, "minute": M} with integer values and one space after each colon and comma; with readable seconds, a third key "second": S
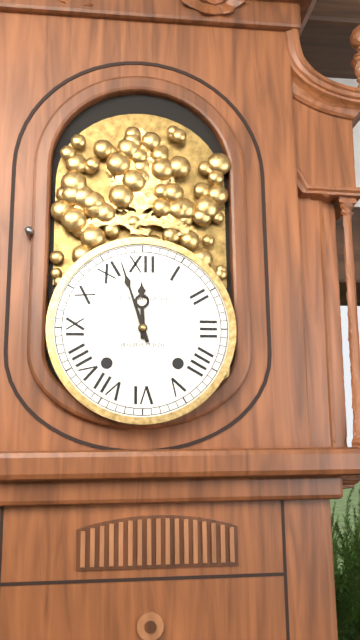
{"hour": 11, "minute": 57}
